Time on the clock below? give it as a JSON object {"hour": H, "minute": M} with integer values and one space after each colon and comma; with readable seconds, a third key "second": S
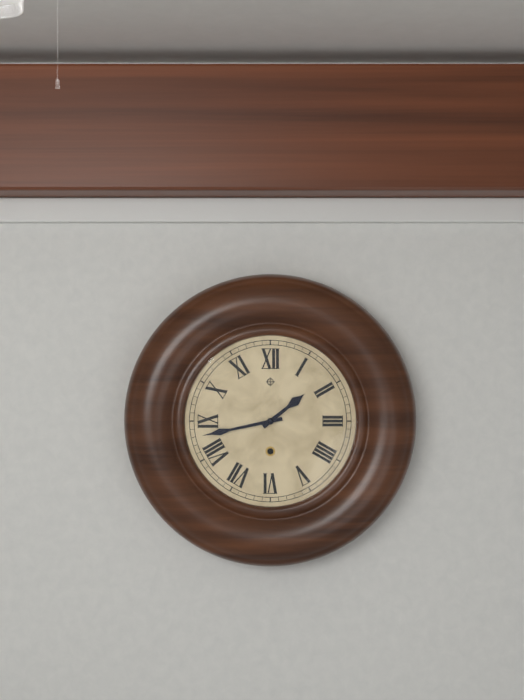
{"hour": 1, "minute": 43}
